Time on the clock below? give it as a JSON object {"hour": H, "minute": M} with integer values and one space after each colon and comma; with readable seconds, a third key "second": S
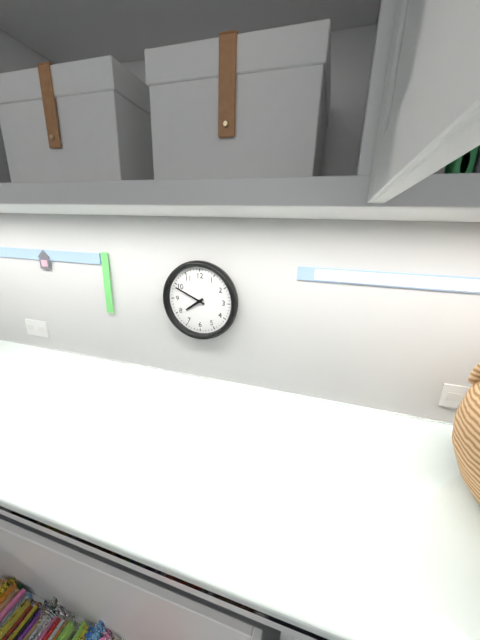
{"hour": 7, "minute": 49}
